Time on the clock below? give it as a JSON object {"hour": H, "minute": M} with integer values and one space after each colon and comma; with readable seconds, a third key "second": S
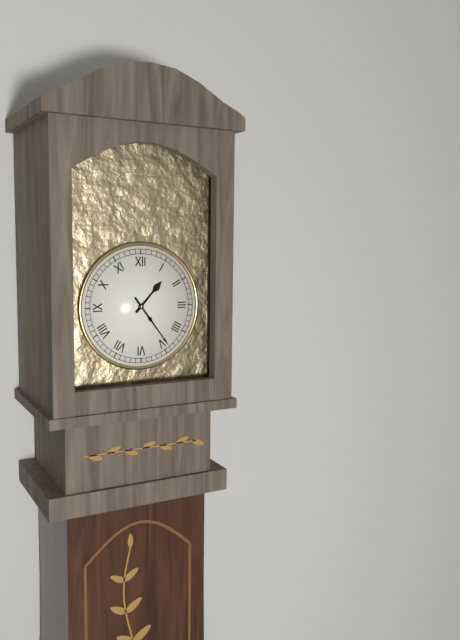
{"hour": 1, "minute": 24}
